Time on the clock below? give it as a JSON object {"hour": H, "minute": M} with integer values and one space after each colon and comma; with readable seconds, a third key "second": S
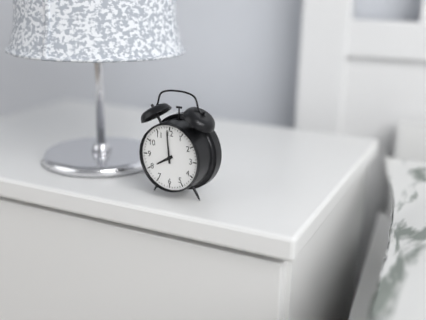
{"hour": 7, "minute": 59}
